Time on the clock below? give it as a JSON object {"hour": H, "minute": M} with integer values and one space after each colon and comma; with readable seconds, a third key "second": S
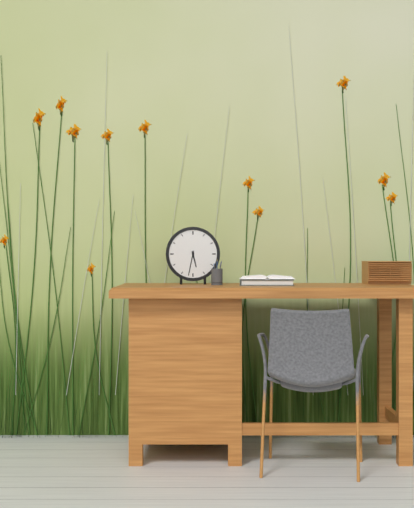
{"hour": 5, "minute": 32}
